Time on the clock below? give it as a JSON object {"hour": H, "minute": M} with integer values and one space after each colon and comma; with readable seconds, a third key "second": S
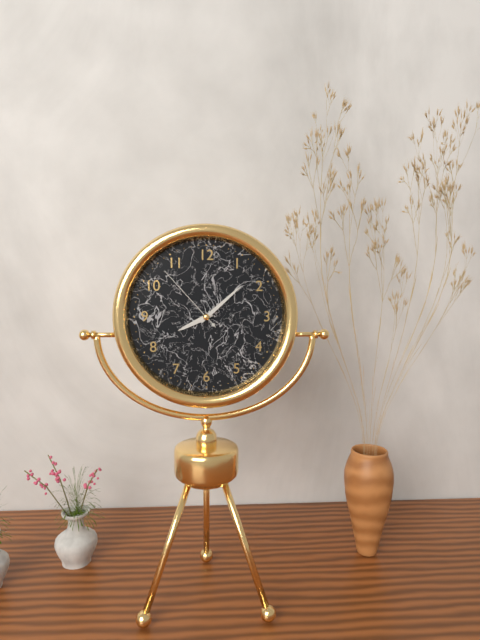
{"hour": 8, "minute": 8, "second": 53}
